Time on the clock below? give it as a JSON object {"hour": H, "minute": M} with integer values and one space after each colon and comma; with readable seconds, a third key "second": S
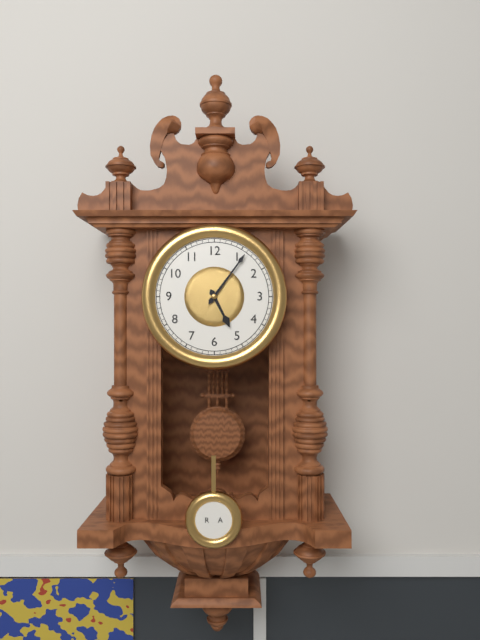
{"hour": 5, "minute": 6}
